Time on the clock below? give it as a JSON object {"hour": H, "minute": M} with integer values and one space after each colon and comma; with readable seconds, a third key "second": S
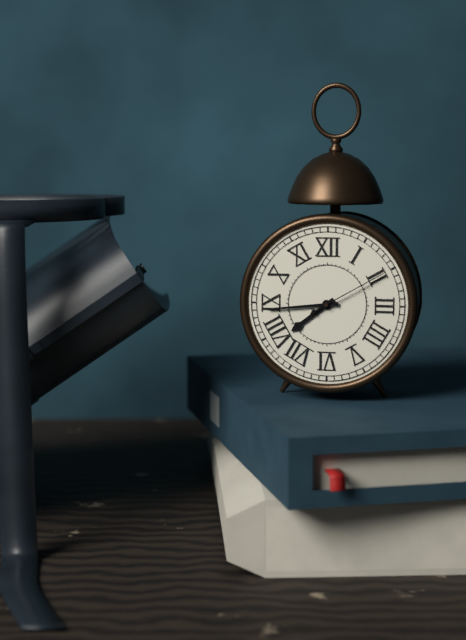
{"hour": 7, "minute": 44, "second": 10}
